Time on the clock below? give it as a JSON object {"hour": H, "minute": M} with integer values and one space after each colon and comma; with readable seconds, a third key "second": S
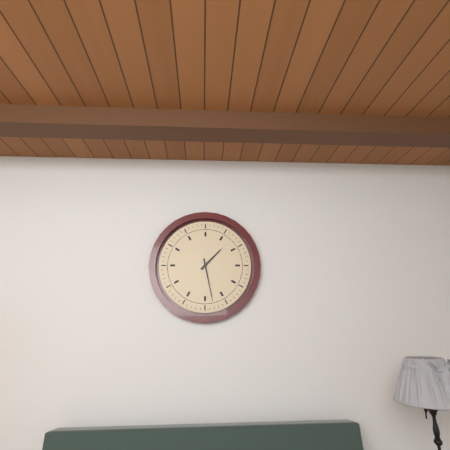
{"hour": 1, "minute": 28}
